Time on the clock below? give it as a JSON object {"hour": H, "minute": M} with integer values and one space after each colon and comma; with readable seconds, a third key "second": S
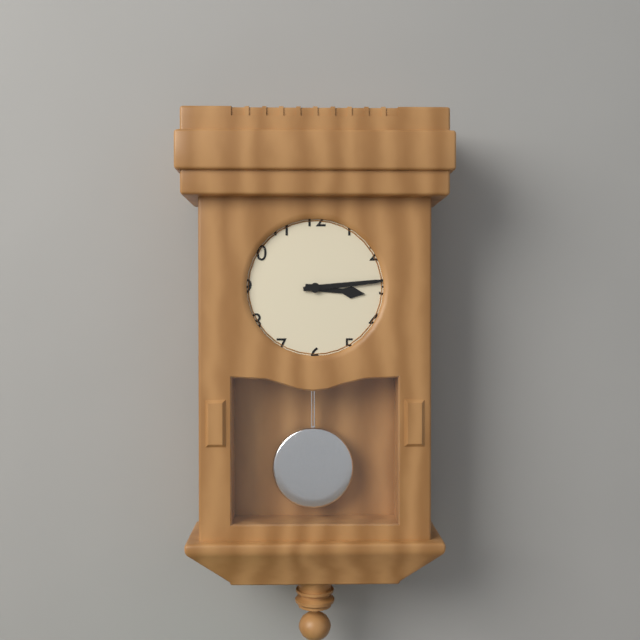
{"hour": 3, "minute": 14}
